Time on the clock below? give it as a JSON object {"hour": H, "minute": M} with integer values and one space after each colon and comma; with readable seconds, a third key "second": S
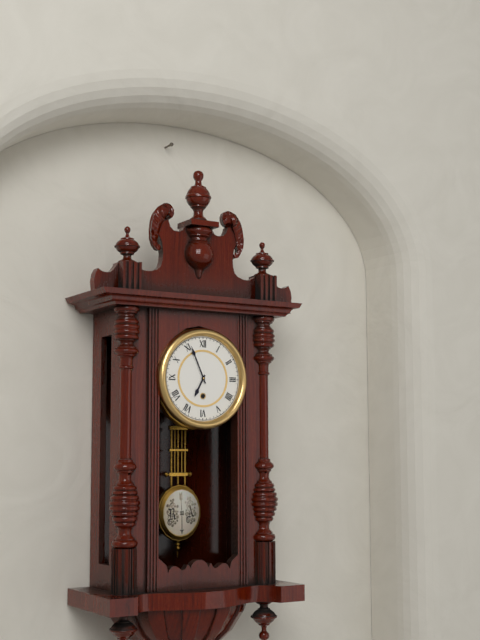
{"hour": 6, "minute": 56}
